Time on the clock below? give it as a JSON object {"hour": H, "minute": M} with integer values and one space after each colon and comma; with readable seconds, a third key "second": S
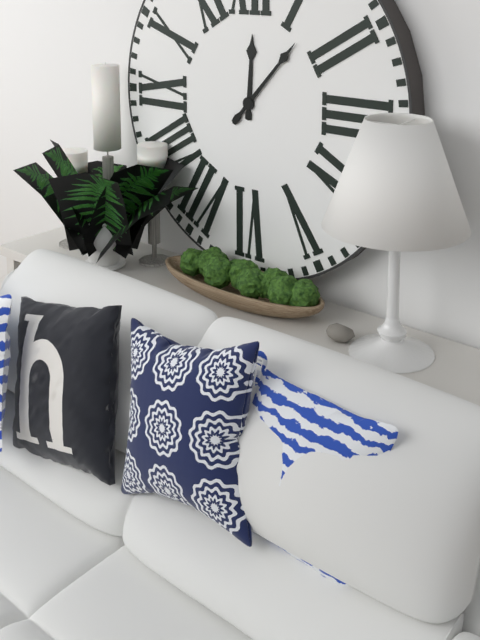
{"hour": 12, "minute": 7}
